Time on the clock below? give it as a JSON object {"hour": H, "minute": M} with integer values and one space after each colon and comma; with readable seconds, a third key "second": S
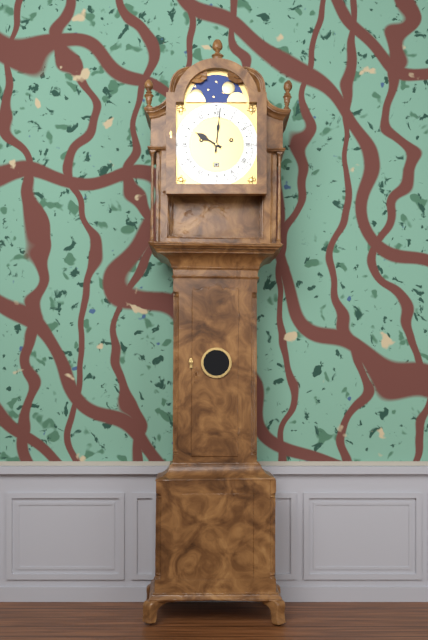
{"hour": 10, "minute": 1}
